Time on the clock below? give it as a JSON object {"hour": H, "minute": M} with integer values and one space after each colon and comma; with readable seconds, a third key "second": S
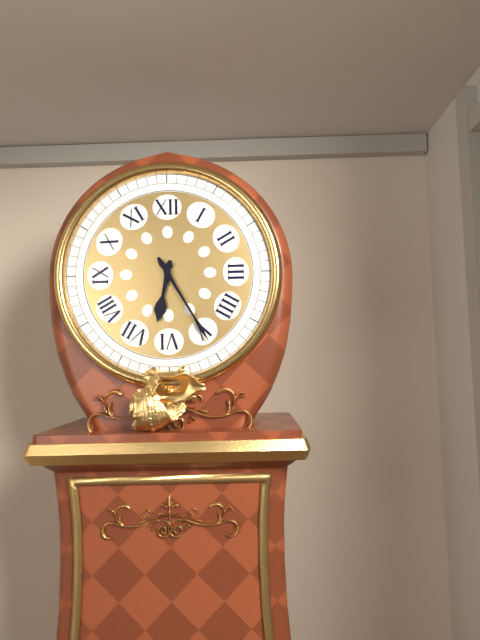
{"hour": 6, "minute": 25}
